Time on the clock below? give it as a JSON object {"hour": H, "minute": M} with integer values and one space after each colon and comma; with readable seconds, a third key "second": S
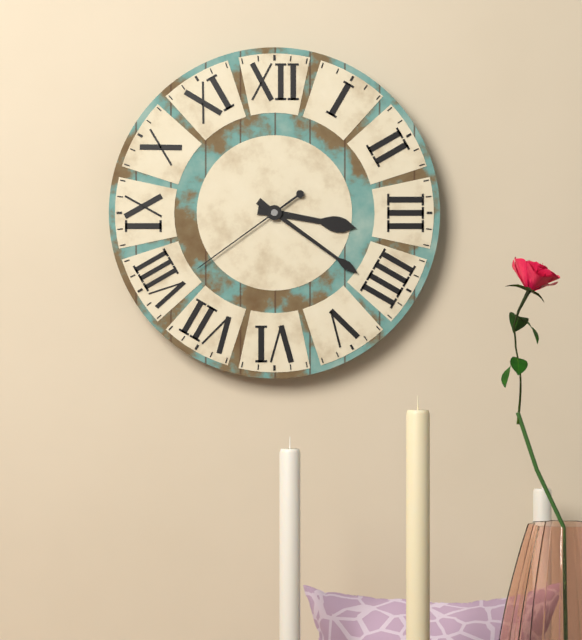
{"hour": 3, "minute": 21, "second": 39}
